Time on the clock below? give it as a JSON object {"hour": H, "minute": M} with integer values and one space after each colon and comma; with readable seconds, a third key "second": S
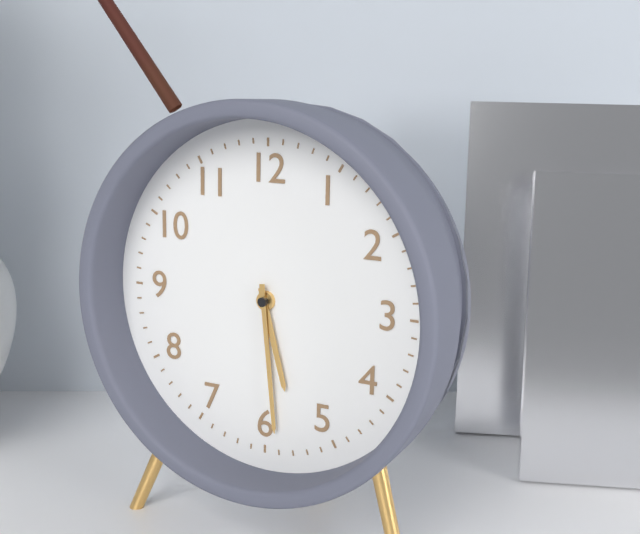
{"hour": 5, "minute": 29}
